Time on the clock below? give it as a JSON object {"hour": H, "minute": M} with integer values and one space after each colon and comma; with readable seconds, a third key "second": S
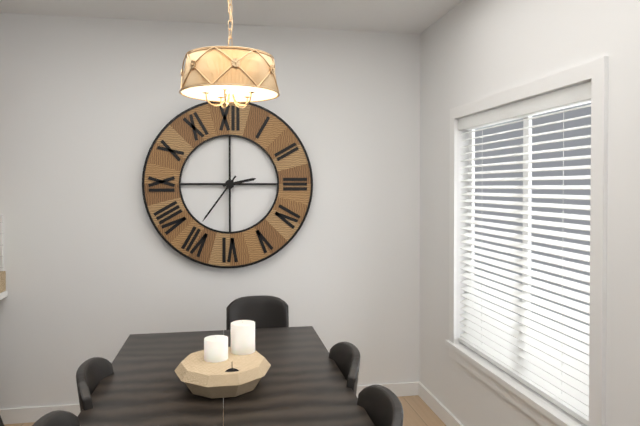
{"hour": 2, "minute": 36}
